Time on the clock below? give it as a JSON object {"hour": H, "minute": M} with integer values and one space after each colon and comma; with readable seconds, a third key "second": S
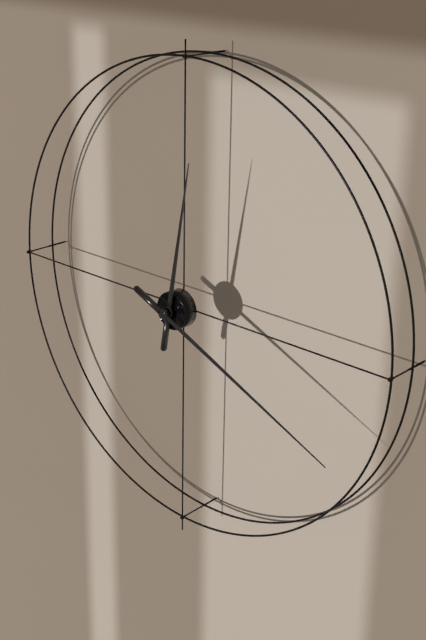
{"hour": 12, "minute": 19}
